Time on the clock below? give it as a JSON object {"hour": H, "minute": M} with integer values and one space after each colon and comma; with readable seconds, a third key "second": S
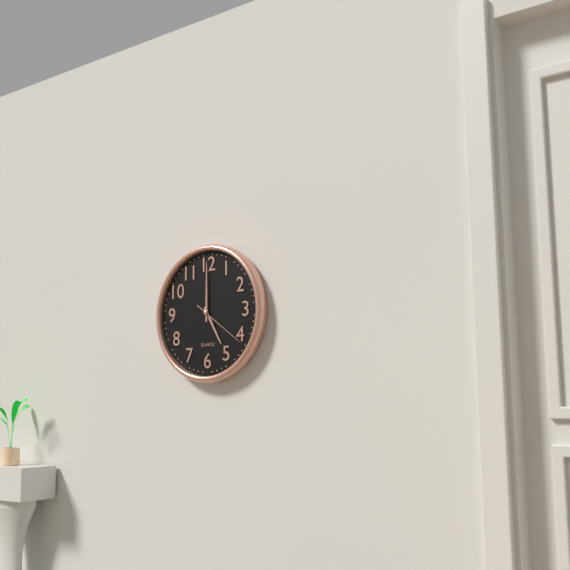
{"hour": 5, "minute": 0, "second": 21}
